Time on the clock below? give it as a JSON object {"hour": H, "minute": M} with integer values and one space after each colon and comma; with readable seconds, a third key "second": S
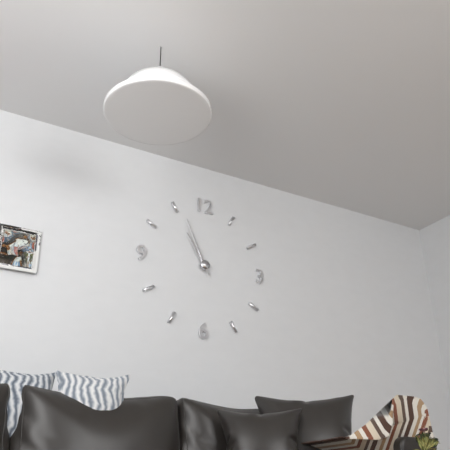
{"hour": 10, "minute": 56}
